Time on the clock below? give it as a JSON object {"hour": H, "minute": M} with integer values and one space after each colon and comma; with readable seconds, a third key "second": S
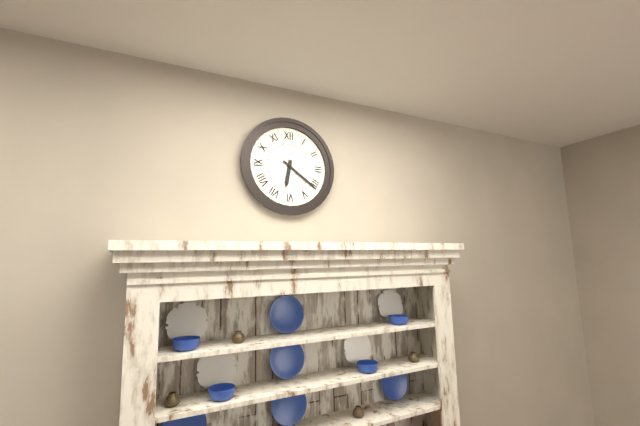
{"hour": 6, "minute": 21}
